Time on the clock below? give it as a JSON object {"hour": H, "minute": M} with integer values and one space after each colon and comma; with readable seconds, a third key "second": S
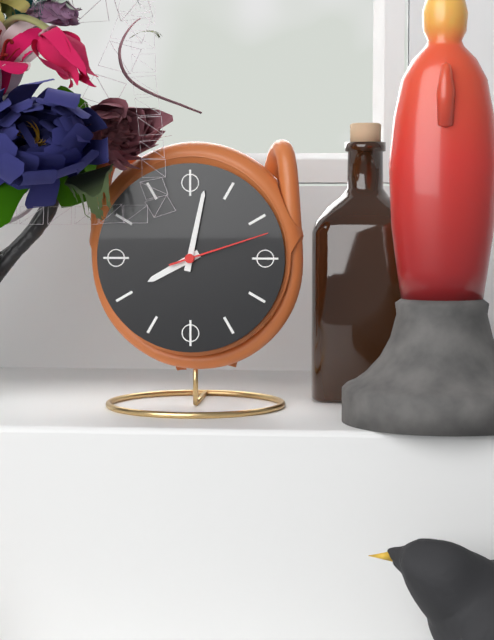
{"hour": 8, "minute": 2, "second": 12}
